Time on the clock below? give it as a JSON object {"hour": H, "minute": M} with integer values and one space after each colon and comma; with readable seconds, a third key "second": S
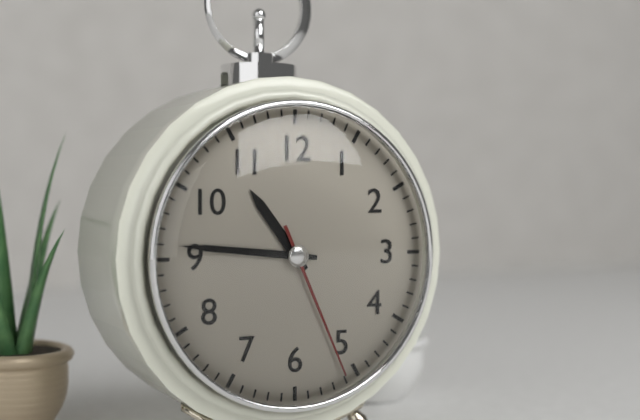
{"hour": 10, "minute": 46, "second": 26}
